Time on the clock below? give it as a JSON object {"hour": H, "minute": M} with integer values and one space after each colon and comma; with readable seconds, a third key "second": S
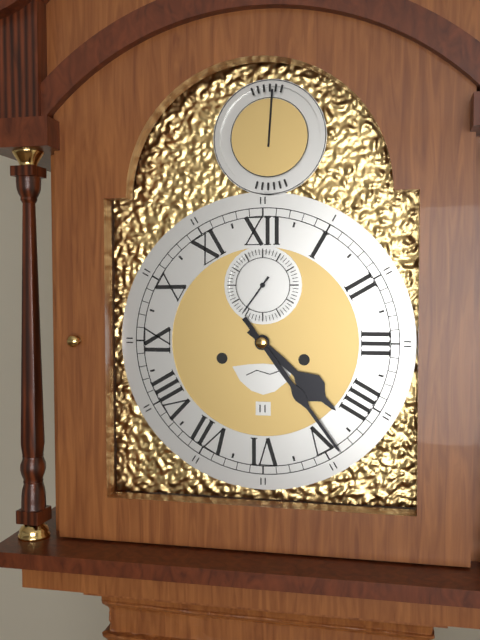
{"hour": 4, "minute": 24}
